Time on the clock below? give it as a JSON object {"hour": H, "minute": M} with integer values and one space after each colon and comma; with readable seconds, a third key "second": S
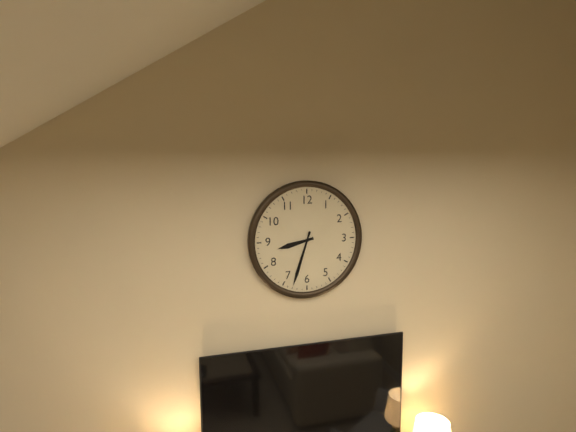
{"hour": 8, "minute": 33}
